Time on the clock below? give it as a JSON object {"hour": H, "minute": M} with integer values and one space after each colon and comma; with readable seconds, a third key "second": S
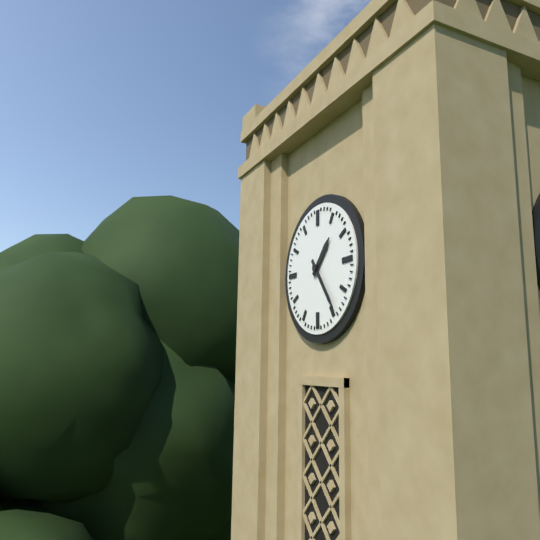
{"hour": 1, "minute": 24}
